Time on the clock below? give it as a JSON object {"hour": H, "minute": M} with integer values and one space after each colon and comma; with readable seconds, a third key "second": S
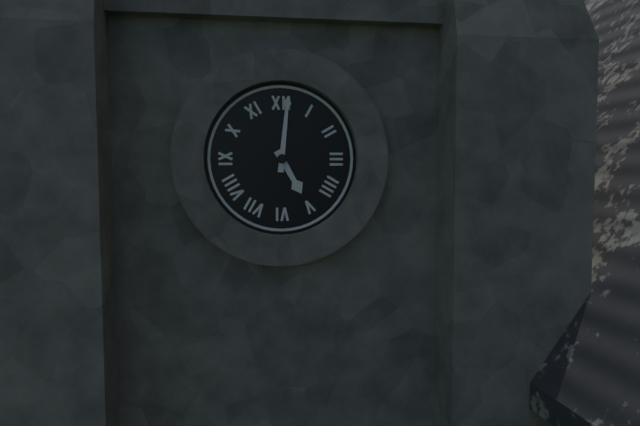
{"hour": 5, "minute": 1}
